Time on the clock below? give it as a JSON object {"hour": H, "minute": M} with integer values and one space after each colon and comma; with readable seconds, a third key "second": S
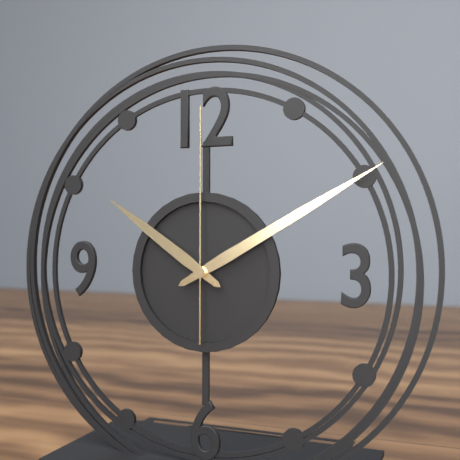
{"hour": 10, "minute": 10, "second": 0}
